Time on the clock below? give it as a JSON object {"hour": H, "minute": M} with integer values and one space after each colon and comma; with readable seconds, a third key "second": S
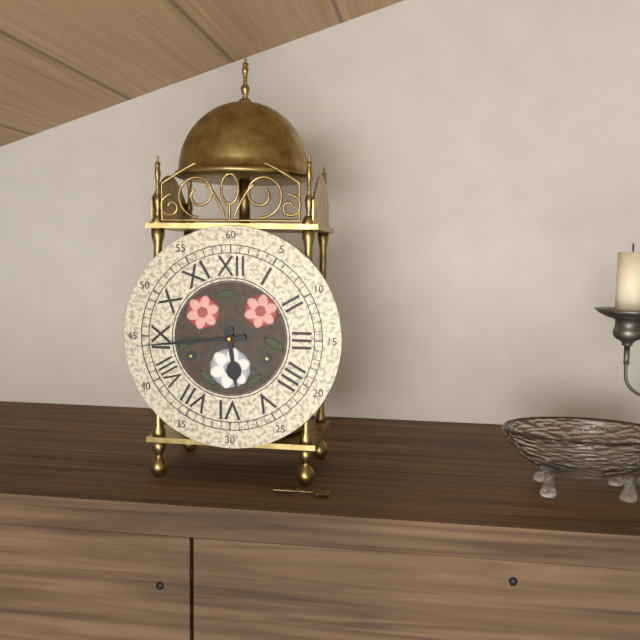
{"hour": 5, "minute": 44}
